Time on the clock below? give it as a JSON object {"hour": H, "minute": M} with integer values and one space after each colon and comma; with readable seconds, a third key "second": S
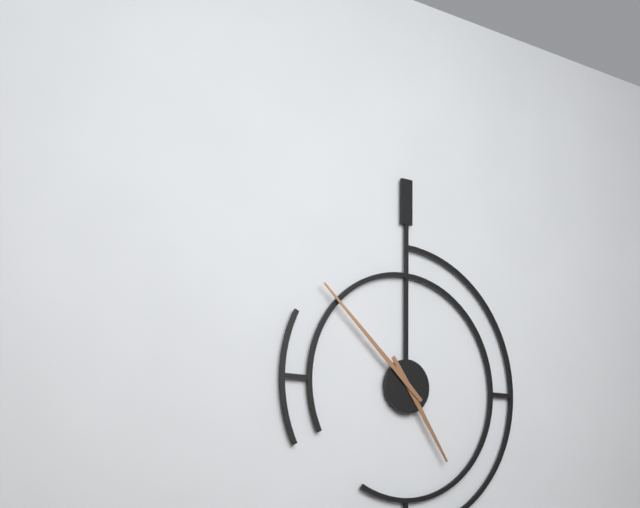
{"hour": 4, "minute": 52}
